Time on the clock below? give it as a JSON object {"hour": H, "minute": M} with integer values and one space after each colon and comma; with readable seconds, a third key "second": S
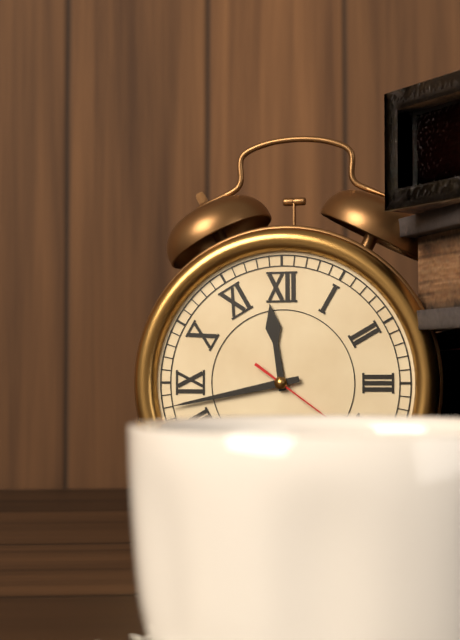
{"hour": 11, "minute": 43}
